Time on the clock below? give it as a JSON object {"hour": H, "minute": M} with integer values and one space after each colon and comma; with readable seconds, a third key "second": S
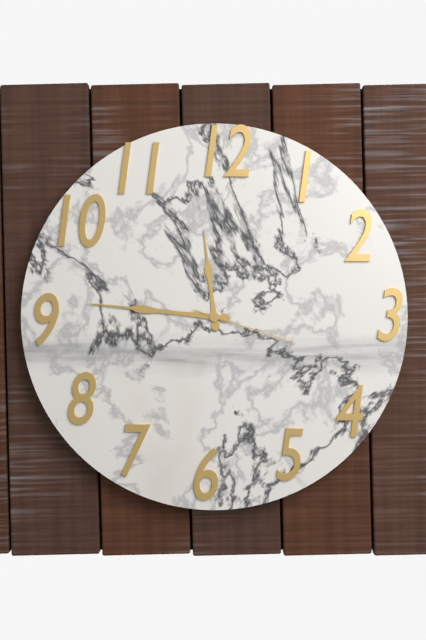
{"hour": 11, "minute": 46, "second": 18}
